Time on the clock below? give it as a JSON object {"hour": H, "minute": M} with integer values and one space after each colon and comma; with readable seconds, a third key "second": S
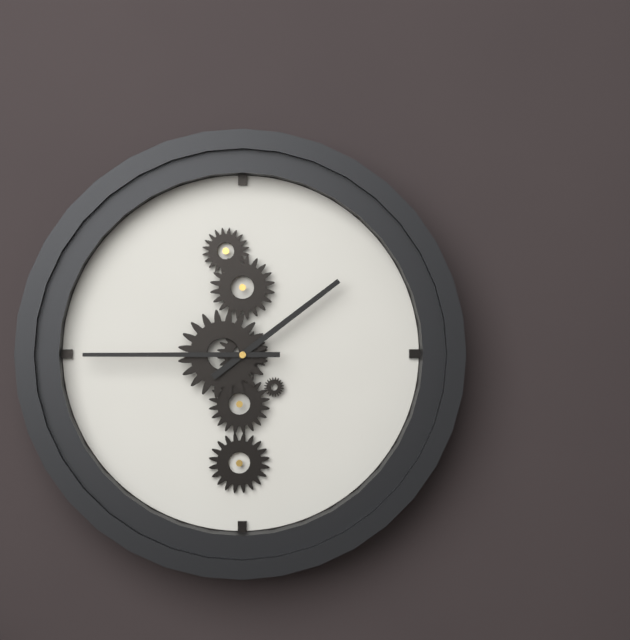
{"hour": 1, "minute": 45}
